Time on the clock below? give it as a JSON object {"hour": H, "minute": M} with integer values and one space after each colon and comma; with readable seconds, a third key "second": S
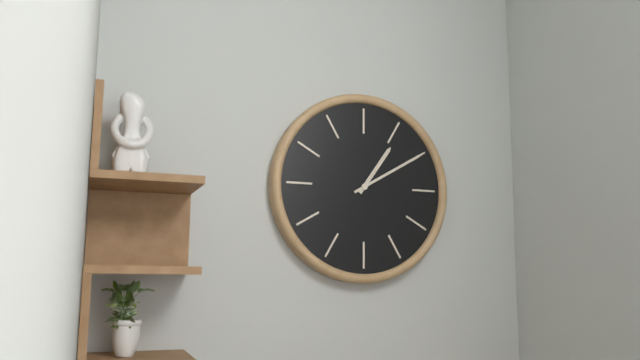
{"hour": 1, "minute": 10}
